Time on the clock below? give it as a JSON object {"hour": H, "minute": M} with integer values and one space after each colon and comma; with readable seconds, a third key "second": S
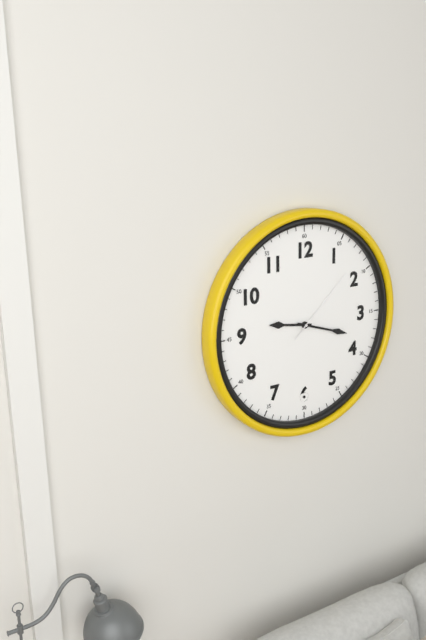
{"hour": 9, "minute": 18, "second": 8}
